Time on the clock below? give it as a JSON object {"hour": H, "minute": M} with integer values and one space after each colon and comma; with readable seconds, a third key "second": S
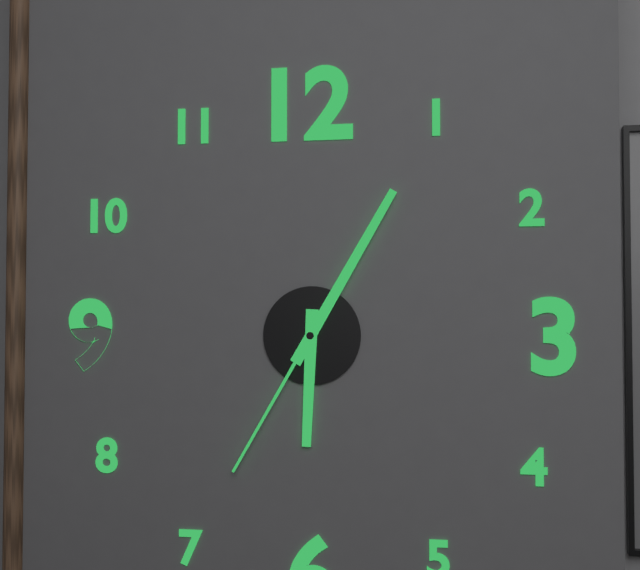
{"hour": 6, "minute": 5, "second": 35}
